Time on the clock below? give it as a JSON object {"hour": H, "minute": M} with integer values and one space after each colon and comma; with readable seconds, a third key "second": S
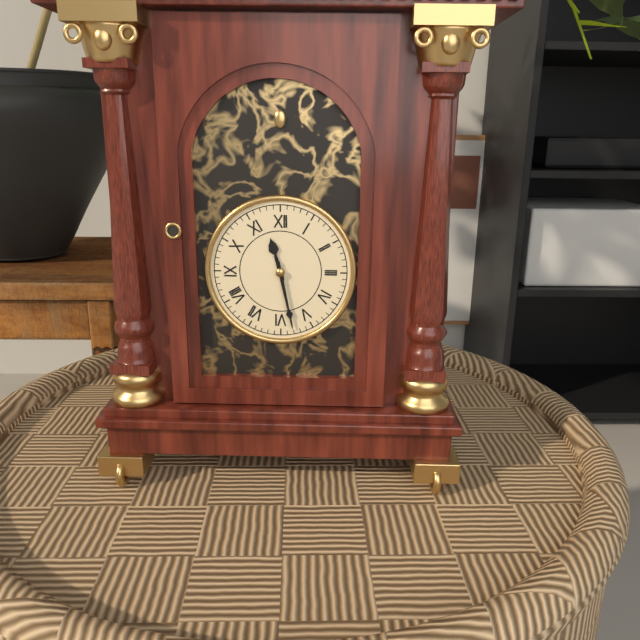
{"hour": 11, "minute": 28}
